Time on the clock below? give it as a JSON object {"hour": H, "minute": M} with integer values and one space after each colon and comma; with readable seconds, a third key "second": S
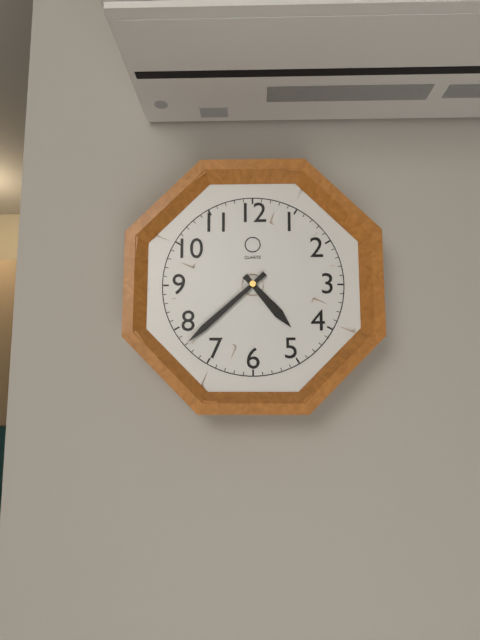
{"hour": 4, "minute": 38}
